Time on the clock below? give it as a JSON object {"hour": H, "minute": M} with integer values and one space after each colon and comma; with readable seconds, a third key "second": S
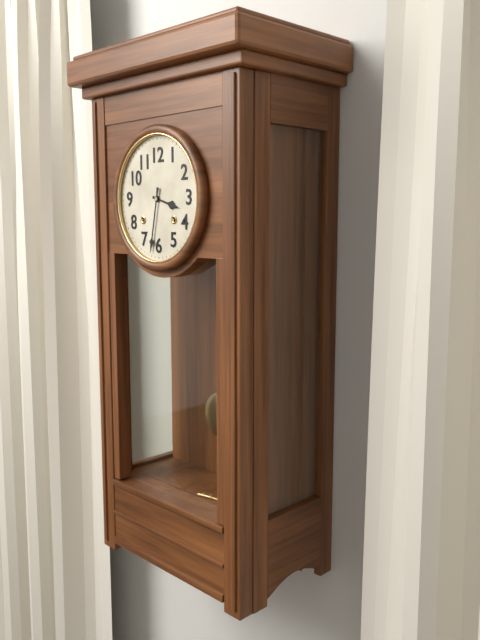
{"hour": 3, "minute": 32}
